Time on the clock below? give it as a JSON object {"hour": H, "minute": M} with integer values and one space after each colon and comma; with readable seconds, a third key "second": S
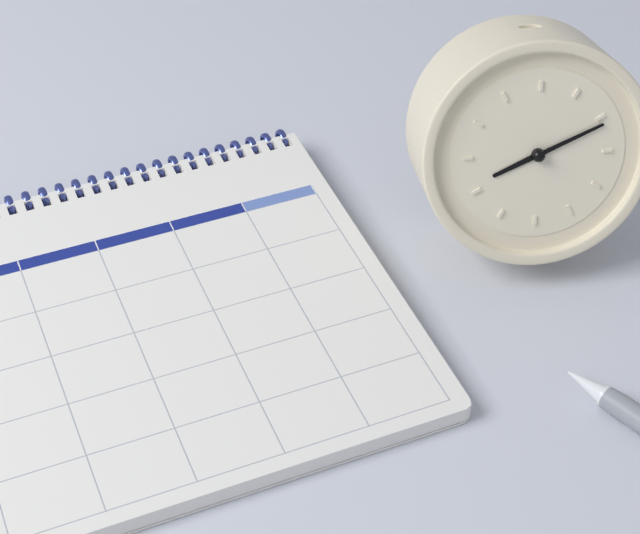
{"hour": 8, "minute": 11}
